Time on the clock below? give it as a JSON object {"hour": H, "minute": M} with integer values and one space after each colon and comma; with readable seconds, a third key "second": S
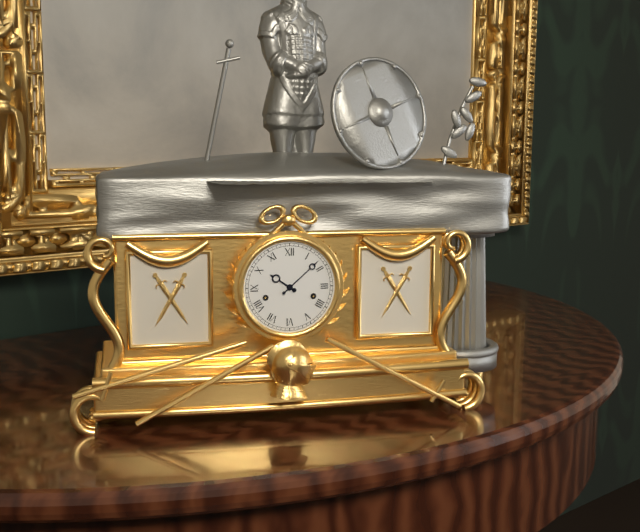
{"hour": 10, "minute": 8}
